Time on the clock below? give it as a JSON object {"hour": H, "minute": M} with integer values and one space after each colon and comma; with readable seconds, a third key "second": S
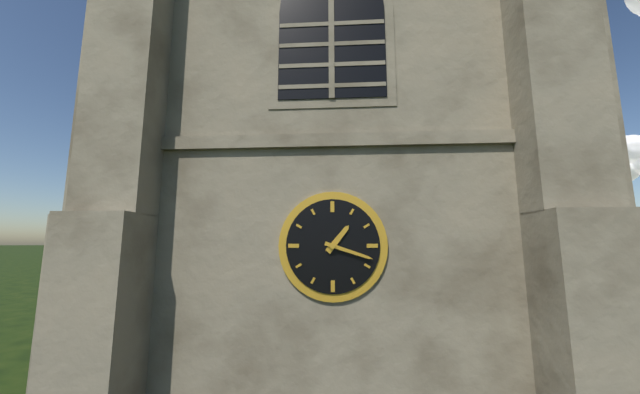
{"hour": 1, "minute": 18}
